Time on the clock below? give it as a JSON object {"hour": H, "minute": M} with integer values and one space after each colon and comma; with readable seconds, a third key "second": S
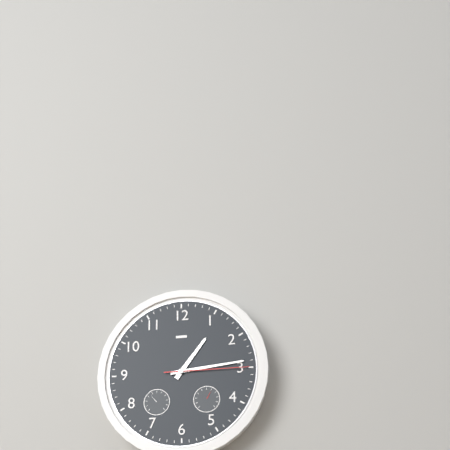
{"hour": 1, "minute": 14, "second": 15}
